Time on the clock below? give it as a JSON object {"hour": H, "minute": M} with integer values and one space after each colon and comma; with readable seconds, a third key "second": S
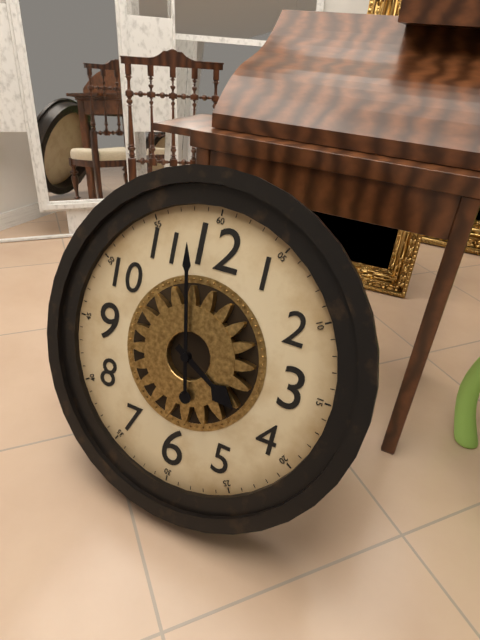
{"hour": 3, "minute": 58}
